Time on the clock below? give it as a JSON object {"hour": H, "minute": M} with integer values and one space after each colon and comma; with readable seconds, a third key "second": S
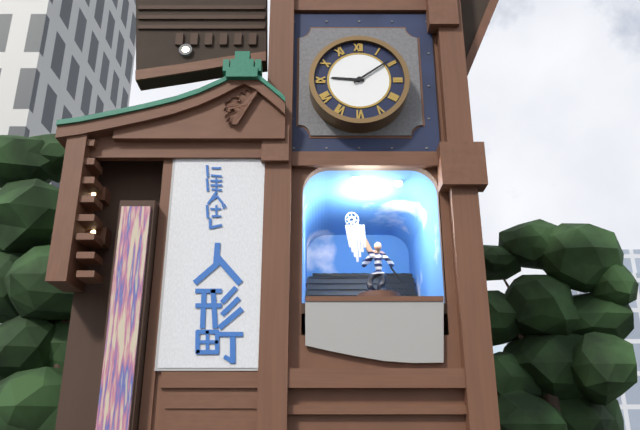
{"hour": 9, "minute": 9}
